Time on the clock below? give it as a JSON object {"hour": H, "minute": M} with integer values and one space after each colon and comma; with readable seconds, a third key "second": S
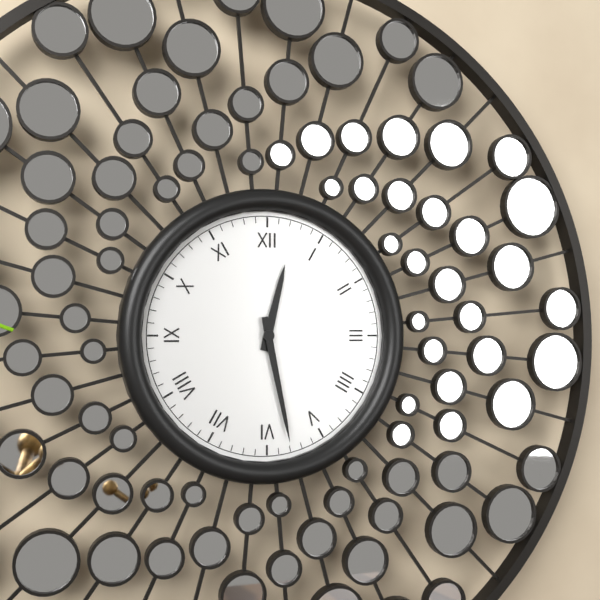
{"hour": 12, "minute": 28}
